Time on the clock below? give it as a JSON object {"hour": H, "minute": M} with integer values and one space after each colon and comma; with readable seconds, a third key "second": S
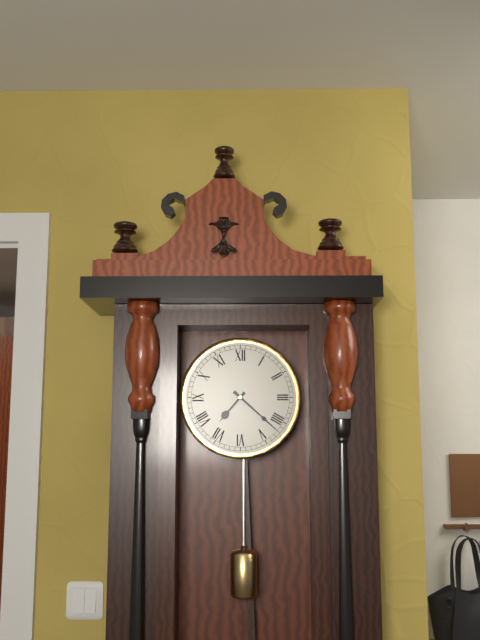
{"hour": 7, "minute": 22}
